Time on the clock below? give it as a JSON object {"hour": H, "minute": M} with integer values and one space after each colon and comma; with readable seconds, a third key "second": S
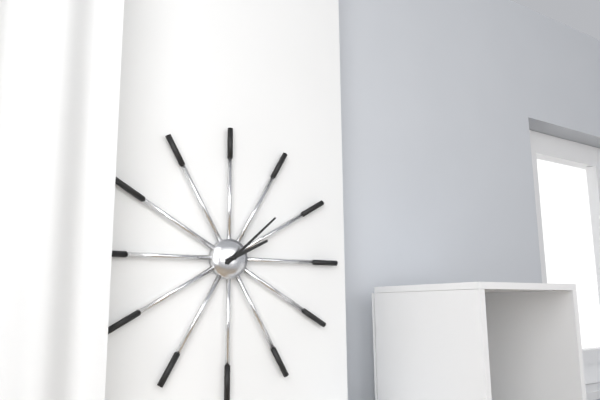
{"hour": 2, "minute": 8}
